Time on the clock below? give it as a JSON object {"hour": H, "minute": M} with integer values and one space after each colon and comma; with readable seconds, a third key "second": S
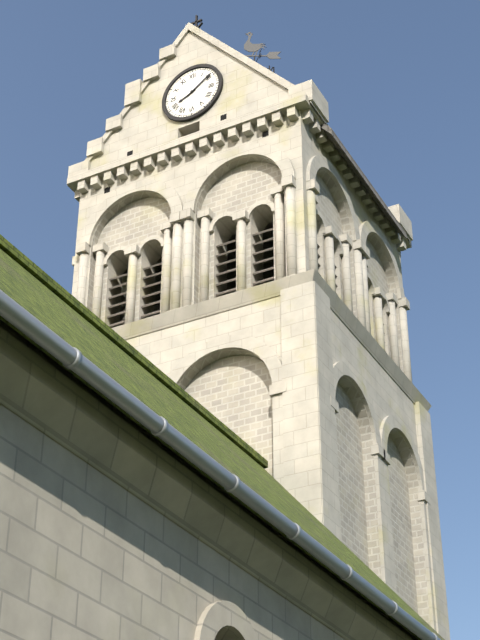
{"hour": 8, "minute": 9}
